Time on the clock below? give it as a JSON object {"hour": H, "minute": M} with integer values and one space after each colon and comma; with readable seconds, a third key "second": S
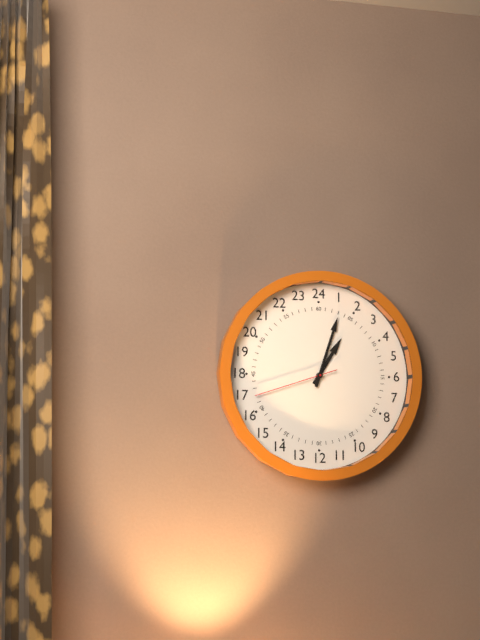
{"hour": 1, "minute": 3, "second": 42}
